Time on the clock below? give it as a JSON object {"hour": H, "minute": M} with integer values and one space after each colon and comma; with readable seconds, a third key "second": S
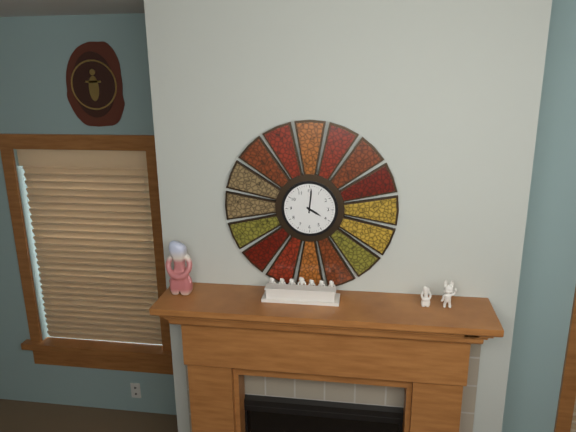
{"hour": 4, "minute": 1}
